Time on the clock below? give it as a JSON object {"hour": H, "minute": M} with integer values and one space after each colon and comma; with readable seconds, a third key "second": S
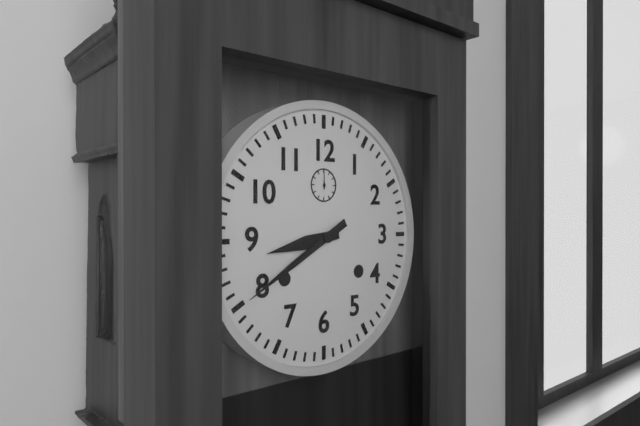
{"hour": 8, "minute": 40}
